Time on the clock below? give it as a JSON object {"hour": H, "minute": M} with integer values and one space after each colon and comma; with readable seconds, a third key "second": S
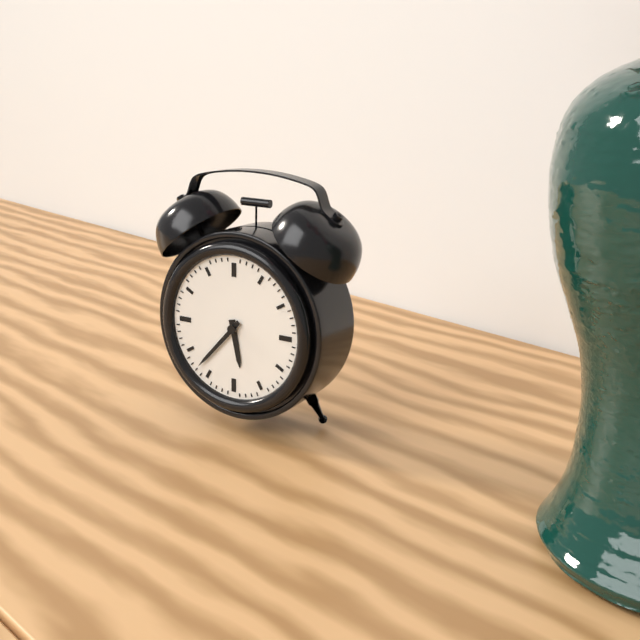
{"hour": 5, "minute": 37}
